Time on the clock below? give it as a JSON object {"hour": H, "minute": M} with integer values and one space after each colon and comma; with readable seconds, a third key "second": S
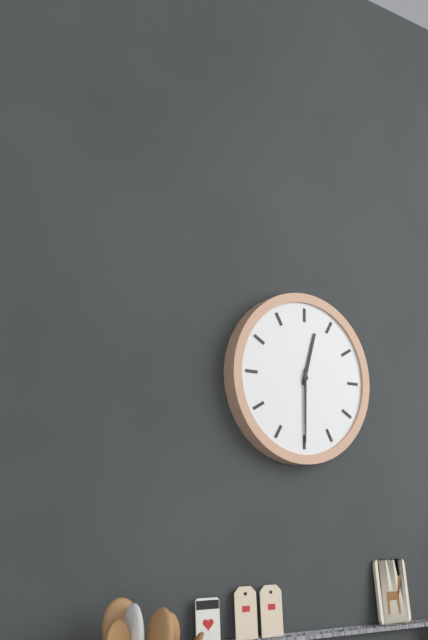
{"hour": 12, "minute": 30}
